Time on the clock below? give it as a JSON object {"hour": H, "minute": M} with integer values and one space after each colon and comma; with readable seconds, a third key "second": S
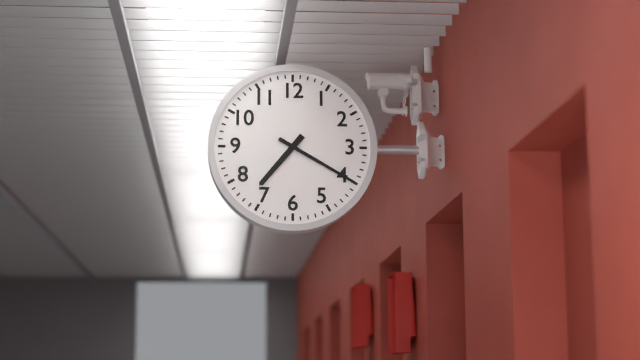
{"hour": 7, "minute": 20}
